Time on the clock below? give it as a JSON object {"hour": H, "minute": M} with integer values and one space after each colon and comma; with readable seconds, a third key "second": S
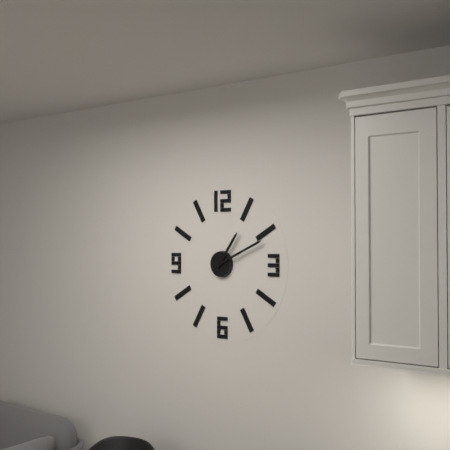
{"hour": 1, "minute": 11}
